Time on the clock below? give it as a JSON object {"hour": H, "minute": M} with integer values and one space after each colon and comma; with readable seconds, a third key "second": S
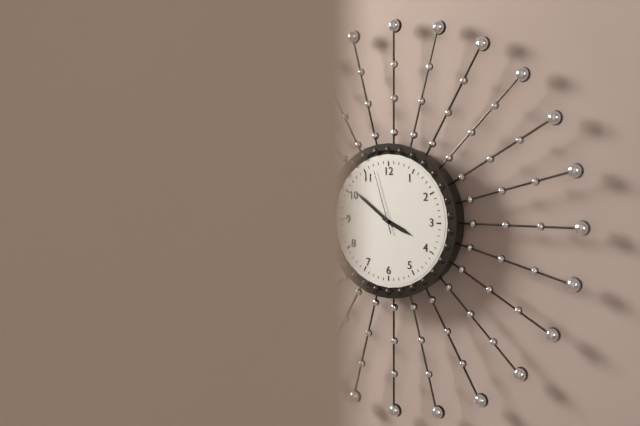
{"hour": 3, "minute": 51, "second": 57}
